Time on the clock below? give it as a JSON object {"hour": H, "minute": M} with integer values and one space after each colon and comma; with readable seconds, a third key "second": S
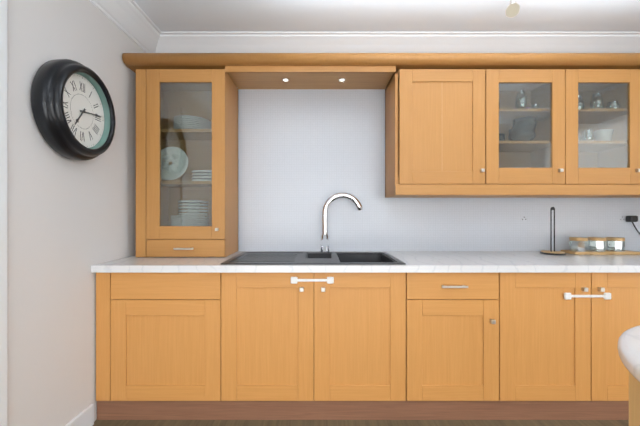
{"hour": 7, "minute": 14}
